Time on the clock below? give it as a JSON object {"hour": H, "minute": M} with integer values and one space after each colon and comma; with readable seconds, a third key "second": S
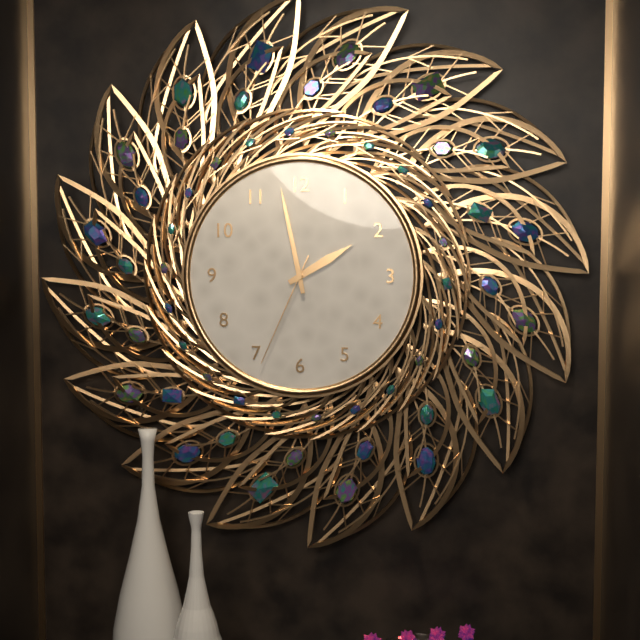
{"hour": 1, "minute": 58, "second": 34}
